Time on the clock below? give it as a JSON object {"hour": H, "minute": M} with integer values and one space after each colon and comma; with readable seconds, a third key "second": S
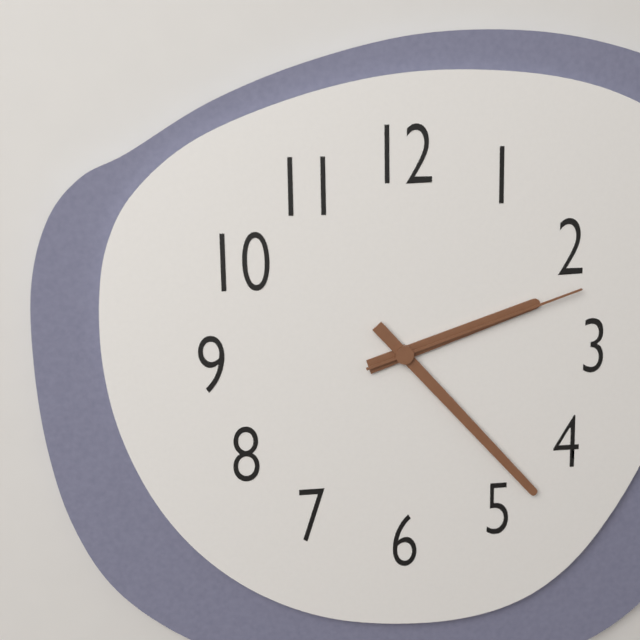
{"hour": 2, "minute": 23, "second": 12}
